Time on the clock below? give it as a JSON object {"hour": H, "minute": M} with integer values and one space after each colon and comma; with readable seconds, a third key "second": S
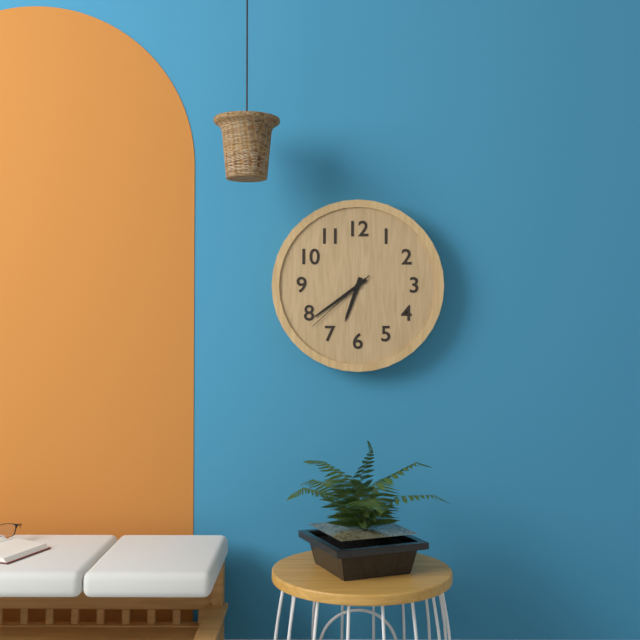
{"hour": 6, "minute": 39, "second": 38}
